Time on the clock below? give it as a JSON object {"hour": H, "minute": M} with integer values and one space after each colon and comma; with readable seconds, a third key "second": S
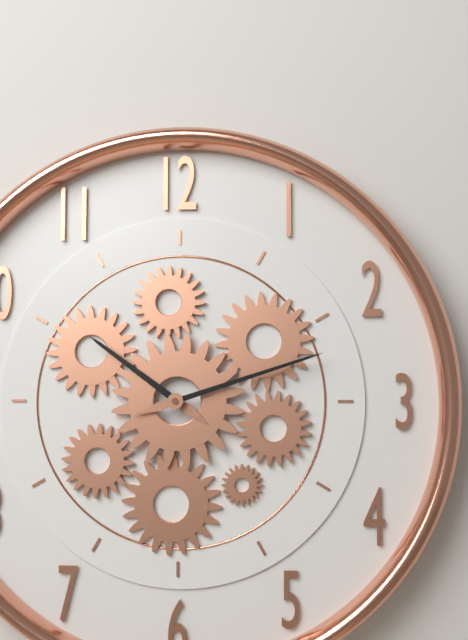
{"hour": 10, "minute": 12}
